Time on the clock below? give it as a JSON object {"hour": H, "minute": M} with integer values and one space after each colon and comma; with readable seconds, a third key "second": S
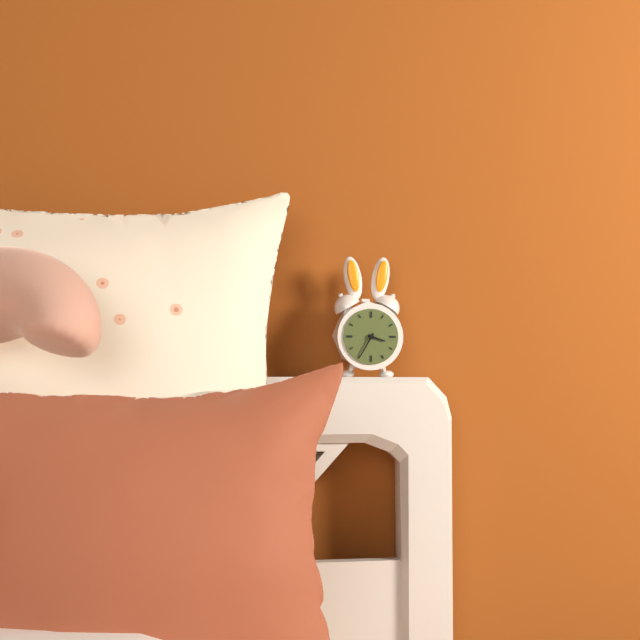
{"hour": 3, "minute": 35}
